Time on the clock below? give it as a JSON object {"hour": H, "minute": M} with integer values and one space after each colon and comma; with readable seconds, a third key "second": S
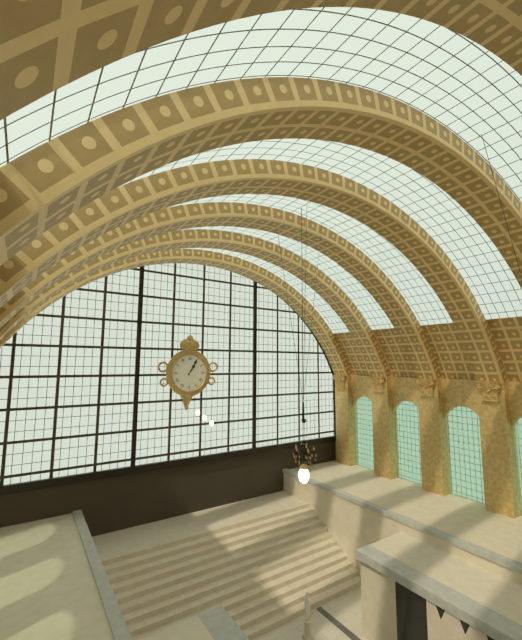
{"hour": 1, "minute": 5}
